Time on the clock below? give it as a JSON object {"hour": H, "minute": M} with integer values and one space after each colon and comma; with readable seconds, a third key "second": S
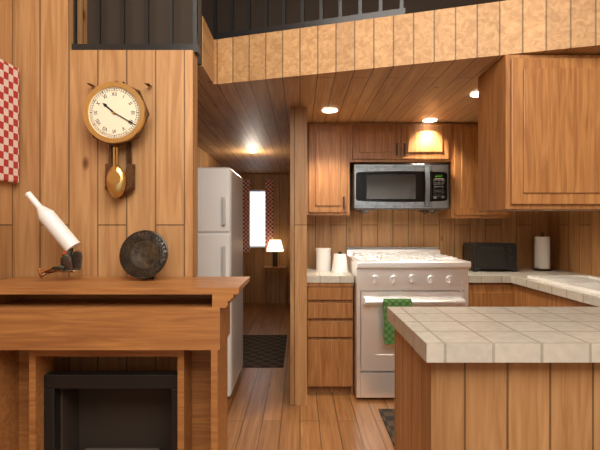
{"hour": 10, "minute": 20}
